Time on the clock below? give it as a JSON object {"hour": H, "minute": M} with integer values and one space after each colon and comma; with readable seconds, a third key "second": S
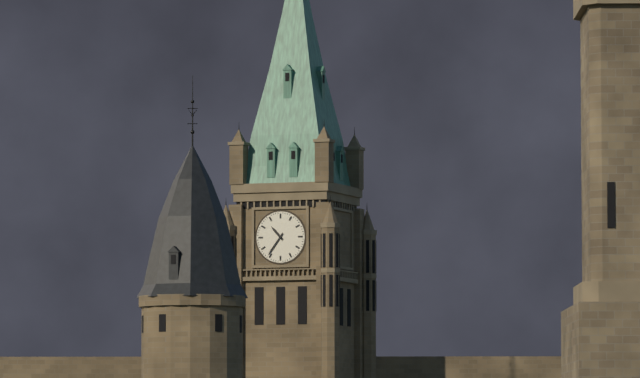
{"hour": 10, "minute": 36}
